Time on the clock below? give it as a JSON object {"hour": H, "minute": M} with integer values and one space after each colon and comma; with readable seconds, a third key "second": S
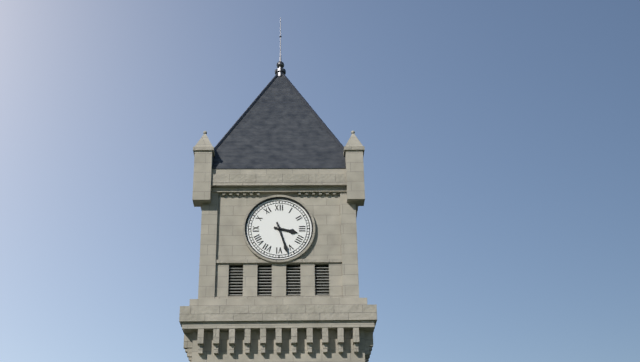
{"hour": 3, "minute": 27}
